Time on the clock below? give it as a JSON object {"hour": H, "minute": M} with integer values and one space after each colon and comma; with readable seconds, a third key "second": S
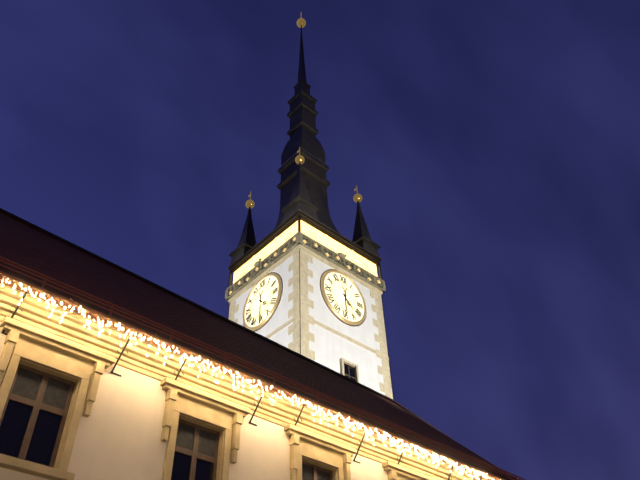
{"hour": 4, "minute": 30}
